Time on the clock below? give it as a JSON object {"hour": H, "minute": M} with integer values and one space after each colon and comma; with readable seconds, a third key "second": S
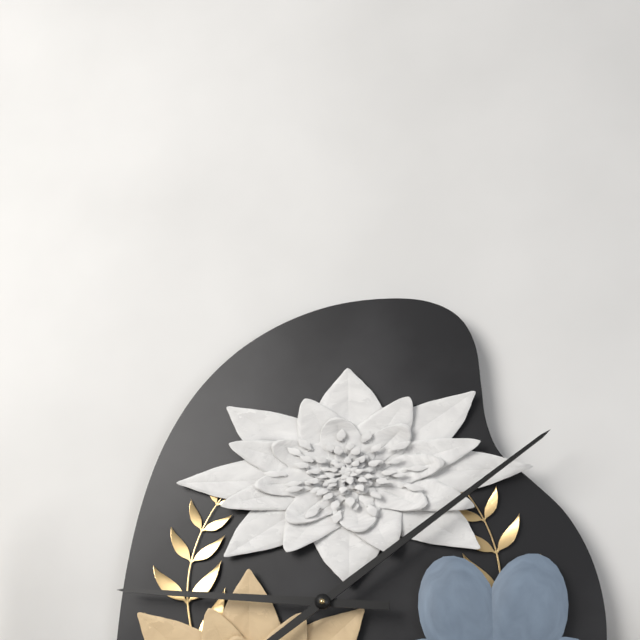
{"hour": 9, "minute": 9}
